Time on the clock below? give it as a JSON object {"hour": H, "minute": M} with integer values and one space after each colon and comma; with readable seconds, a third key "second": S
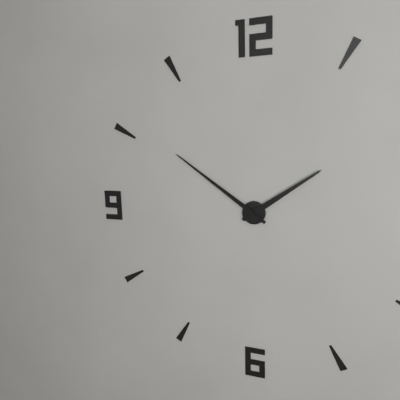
{"hour": 1, "minute": 51}
